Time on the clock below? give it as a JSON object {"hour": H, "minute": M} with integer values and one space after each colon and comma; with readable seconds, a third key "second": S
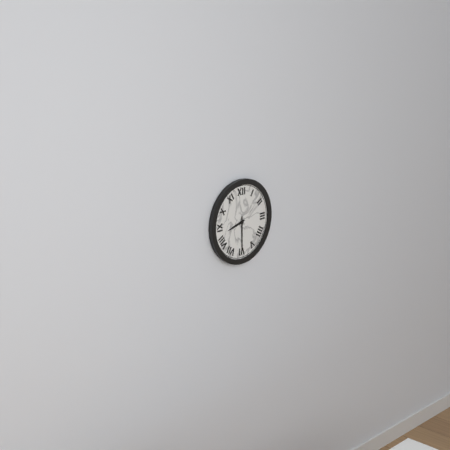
{"hour": 8, "minute": 30}
